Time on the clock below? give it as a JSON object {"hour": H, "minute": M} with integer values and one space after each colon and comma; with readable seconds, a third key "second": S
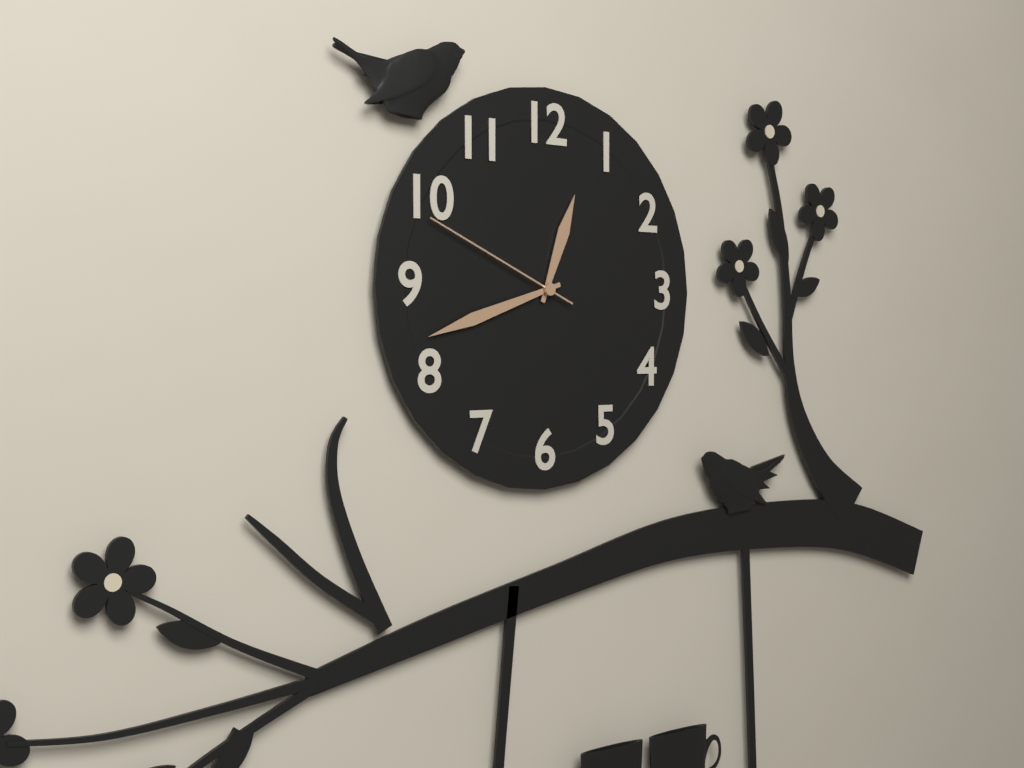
{"hour": 12, "minute": 42, "second": 49}
